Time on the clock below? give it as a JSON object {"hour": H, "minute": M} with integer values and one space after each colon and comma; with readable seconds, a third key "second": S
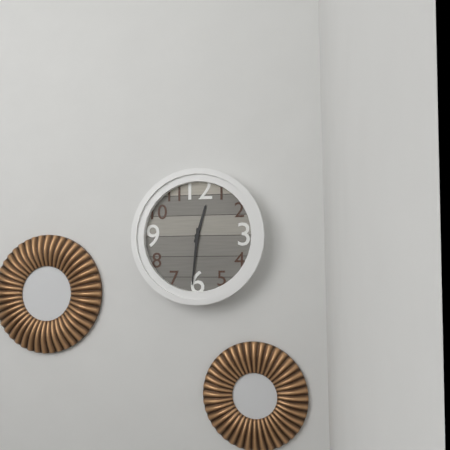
{"hour": 12, "minute": 31}
